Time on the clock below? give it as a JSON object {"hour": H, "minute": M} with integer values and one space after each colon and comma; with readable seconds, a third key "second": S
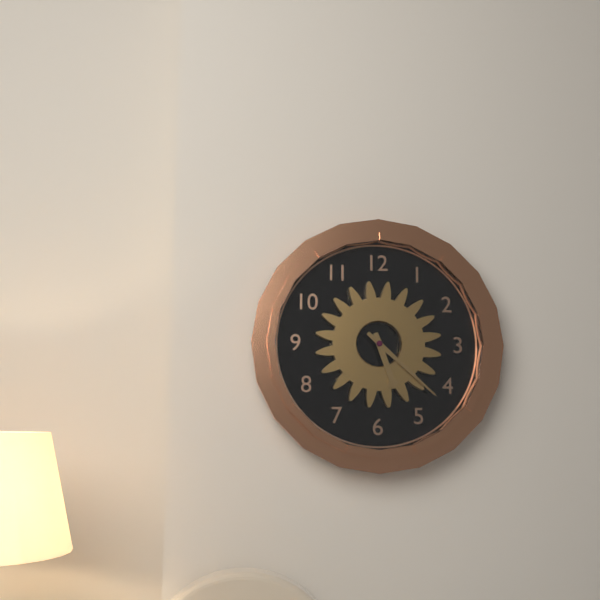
{"hour": 5, "minute": 22}
